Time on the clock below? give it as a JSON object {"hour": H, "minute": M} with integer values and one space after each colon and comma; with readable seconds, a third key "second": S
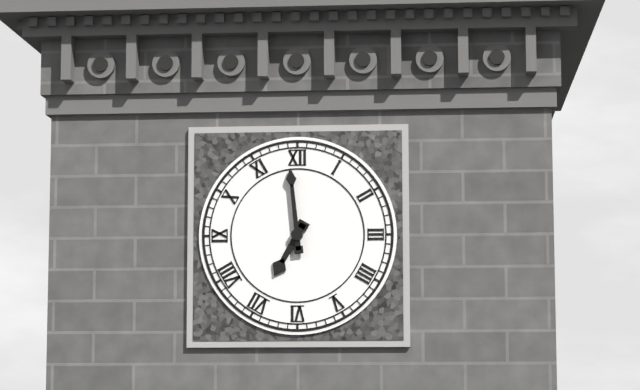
{"hour": 6, "minute": 59}
